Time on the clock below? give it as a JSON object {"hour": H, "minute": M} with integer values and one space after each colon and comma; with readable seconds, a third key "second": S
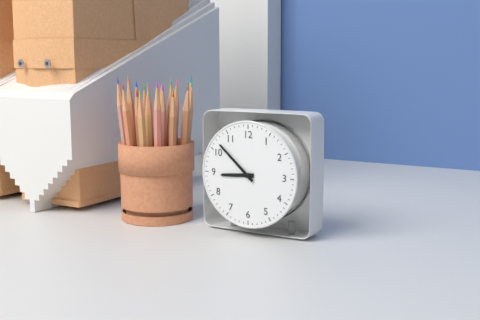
{"hour": 8, "minute": 52}
